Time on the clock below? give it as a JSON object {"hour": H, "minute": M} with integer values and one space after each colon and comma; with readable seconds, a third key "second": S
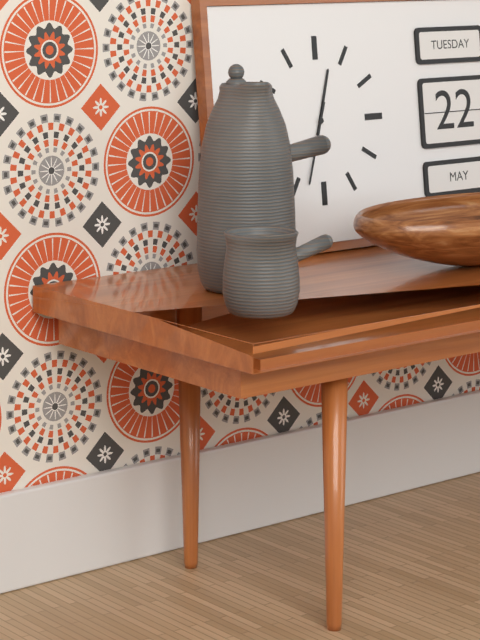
{"hour": 12, "minute": 33}
